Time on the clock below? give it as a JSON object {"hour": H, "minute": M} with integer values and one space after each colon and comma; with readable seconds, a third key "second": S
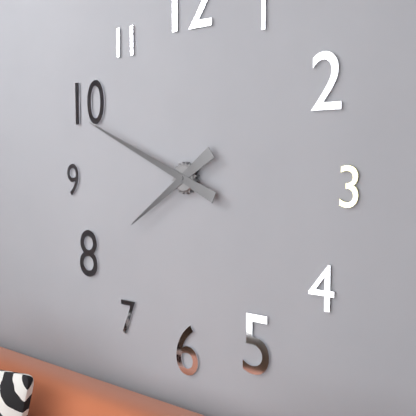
{"hour": 7, "minute": 49}
